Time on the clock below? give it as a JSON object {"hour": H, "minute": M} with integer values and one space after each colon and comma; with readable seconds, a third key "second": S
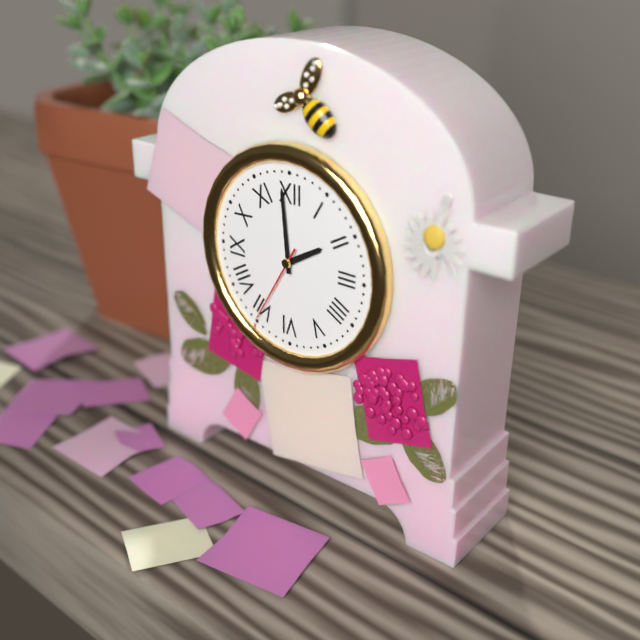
{"hour": 1, "minute": 59, "second": 35}
